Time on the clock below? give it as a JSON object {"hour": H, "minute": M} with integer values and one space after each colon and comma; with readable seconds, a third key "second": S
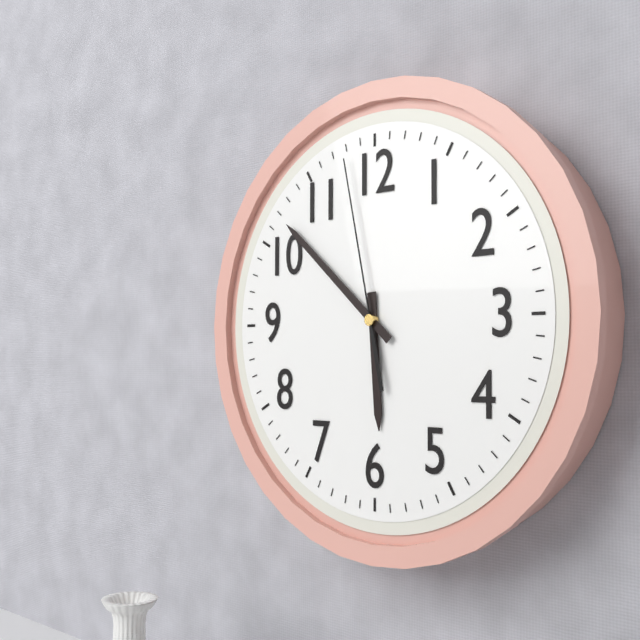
{"hour": 5, "minute": 52, "second": 58}
